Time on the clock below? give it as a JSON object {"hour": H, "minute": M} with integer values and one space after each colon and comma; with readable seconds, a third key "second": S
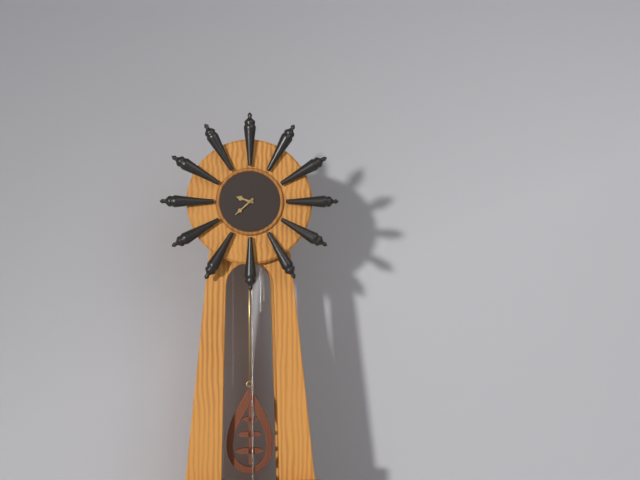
{"hour": 9, "minute": 38}
